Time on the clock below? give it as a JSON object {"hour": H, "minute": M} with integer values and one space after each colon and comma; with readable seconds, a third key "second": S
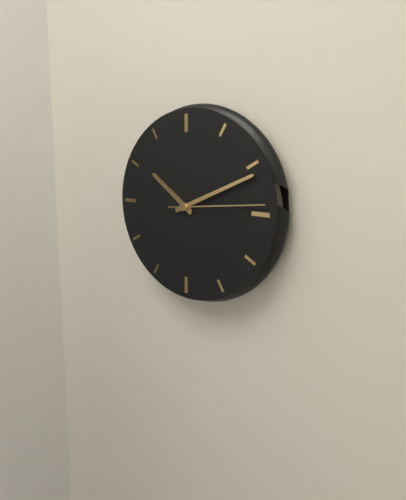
{"hour": 10, "minute": 11, "second": 14}
